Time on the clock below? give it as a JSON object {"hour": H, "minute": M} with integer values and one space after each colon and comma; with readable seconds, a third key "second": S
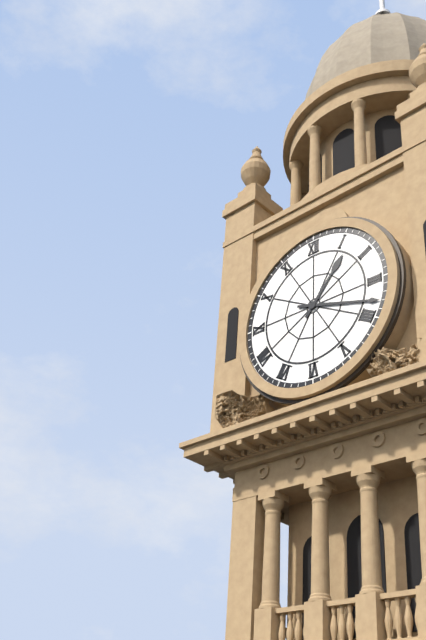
{"hour": 1, "minute": 18}
